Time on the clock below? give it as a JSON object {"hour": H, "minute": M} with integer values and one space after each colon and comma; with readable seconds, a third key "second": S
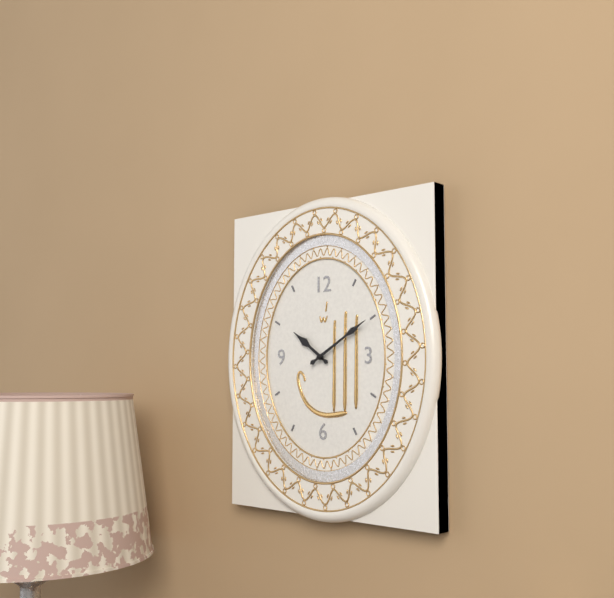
{"hour": 10, "minute": 10}
